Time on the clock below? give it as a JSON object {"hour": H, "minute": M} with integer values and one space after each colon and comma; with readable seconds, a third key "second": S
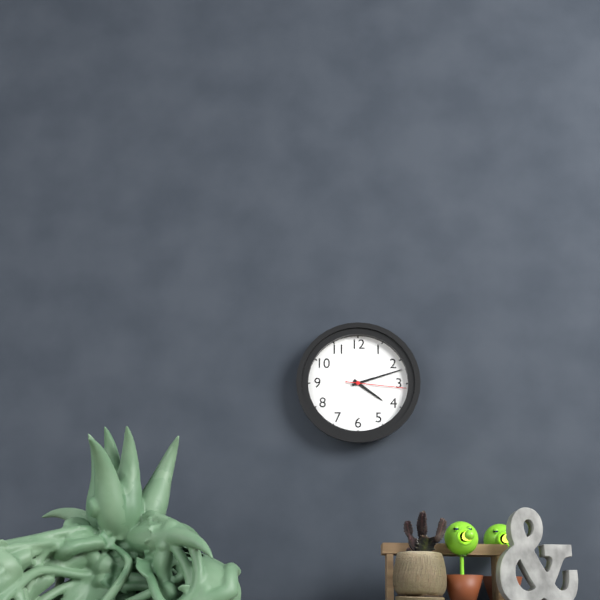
{"hour": 4, "minute": 12, "second": 16}
